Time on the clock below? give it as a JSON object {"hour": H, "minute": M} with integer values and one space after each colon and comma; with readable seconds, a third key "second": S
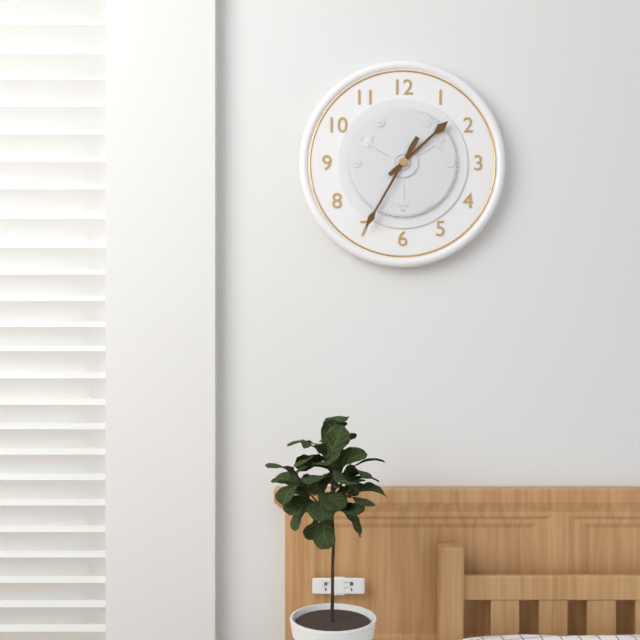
{"hour": 1, "minute": 35}
